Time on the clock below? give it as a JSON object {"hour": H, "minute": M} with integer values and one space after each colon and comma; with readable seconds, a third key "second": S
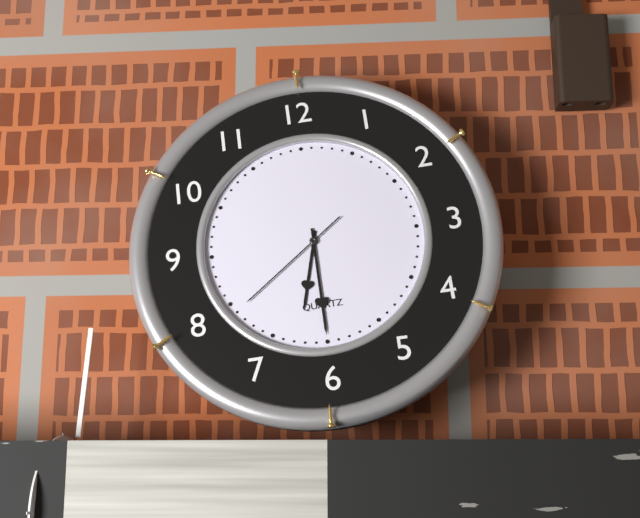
{"hour": 6, "minute": 30, "second": 39}
